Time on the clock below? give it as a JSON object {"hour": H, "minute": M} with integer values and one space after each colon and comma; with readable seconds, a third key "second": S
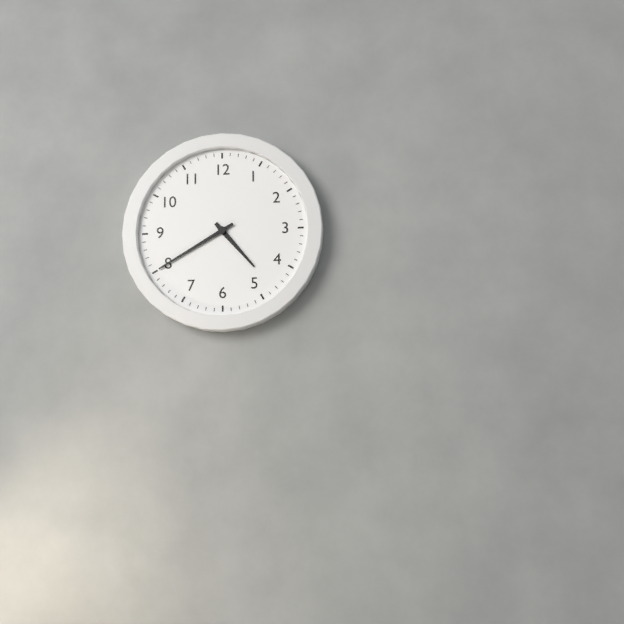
{"hour": 4, "minute": 40}
